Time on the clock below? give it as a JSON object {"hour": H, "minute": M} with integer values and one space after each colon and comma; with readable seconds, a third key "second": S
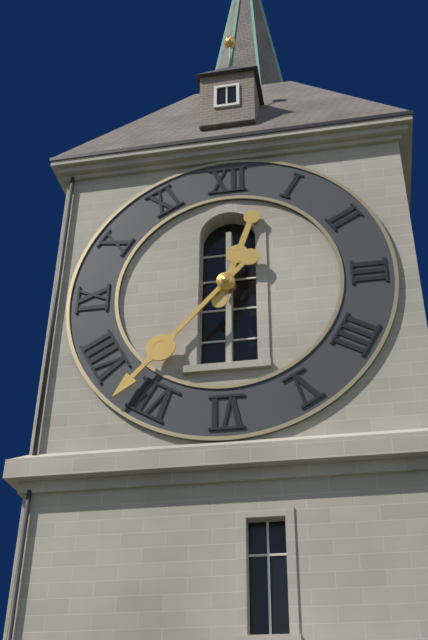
{"hour": 12, "minute": 37}
